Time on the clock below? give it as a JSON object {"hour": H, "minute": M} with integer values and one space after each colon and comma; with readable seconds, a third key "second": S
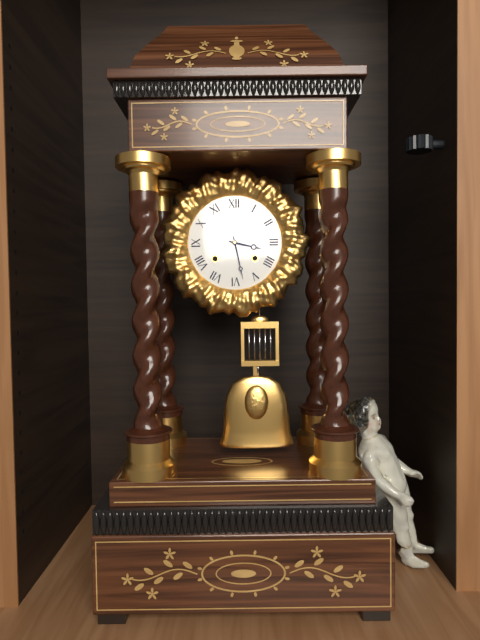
{"hour": 3, "minute": 28}
